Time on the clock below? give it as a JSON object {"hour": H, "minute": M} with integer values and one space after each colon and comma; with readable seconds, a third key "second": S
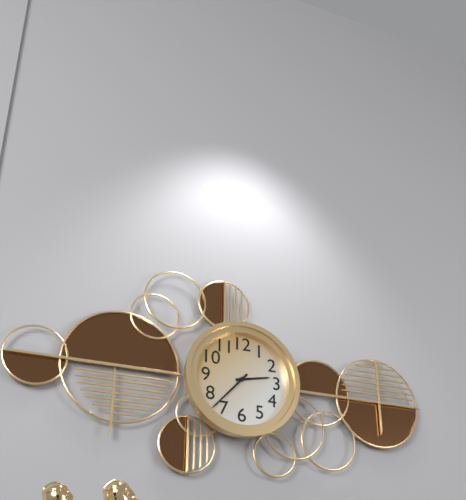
{"hour": 2, "minute": 37}
